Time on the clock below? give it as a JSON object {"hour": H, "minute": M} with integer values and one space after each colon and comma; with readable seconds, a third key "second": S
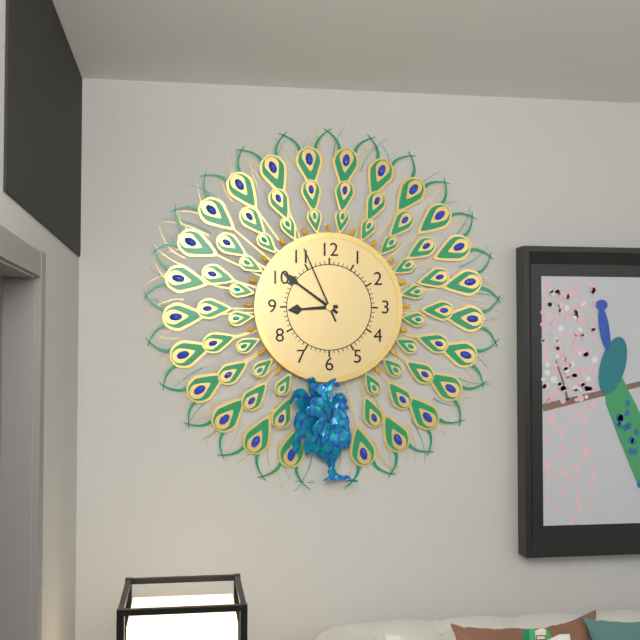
{"hour": 8, "minute": 51, "second": 56}
